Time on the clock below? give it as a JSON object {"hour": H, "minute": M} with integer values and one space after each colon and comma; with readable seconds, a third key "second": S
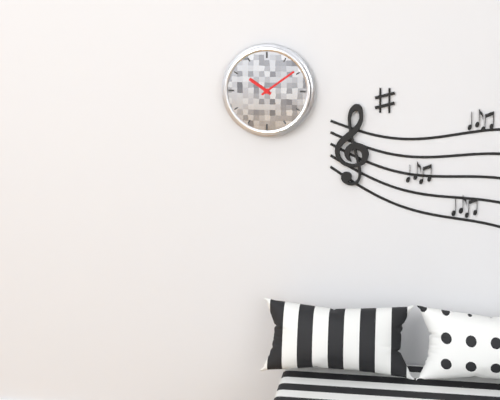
{"hour": 10, "minute": 9}
